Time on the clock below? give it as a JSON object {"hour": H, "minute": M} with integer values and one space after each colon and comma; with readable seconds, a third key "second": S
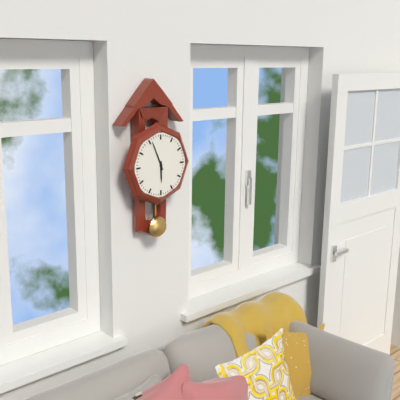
{"hour": 5, "minute": 56}
